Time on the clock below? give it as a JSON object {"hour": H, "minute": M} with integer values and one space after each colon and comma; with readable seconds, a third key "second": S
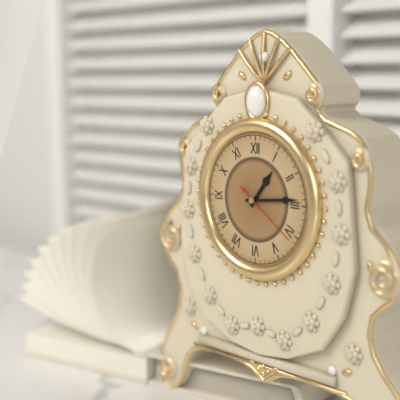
{"hour": 1, "minute": 14, "second": 21}
